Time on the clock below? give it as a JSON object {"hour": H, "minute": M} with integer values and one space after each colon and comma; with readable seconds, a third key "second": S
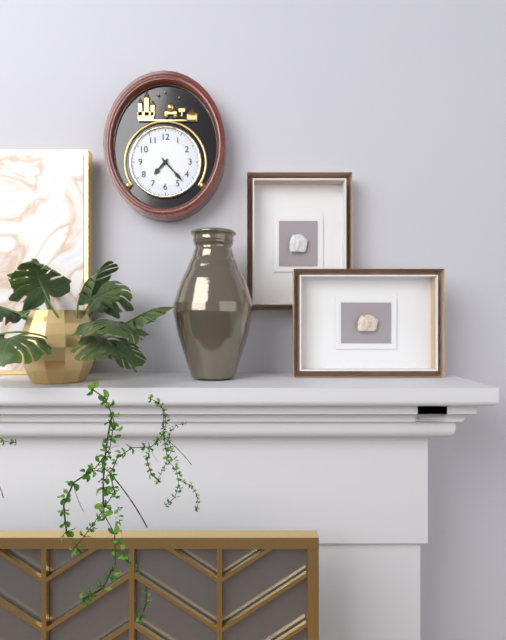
{"hour": 7, "minute": 23}
